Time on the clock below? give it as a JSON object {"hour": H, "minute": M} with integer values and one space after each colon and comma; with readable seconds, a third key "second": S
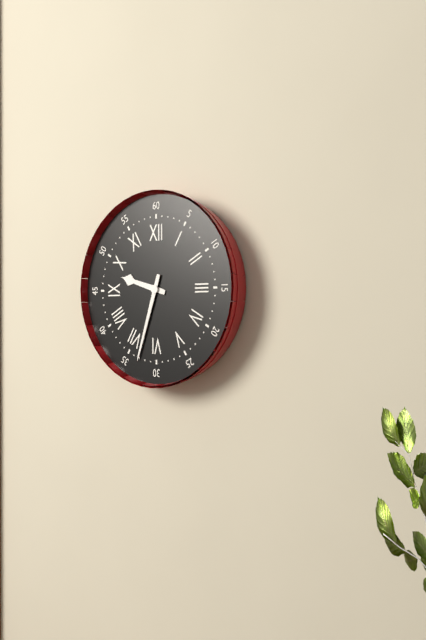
{"hour": 9, "minute": 33}
